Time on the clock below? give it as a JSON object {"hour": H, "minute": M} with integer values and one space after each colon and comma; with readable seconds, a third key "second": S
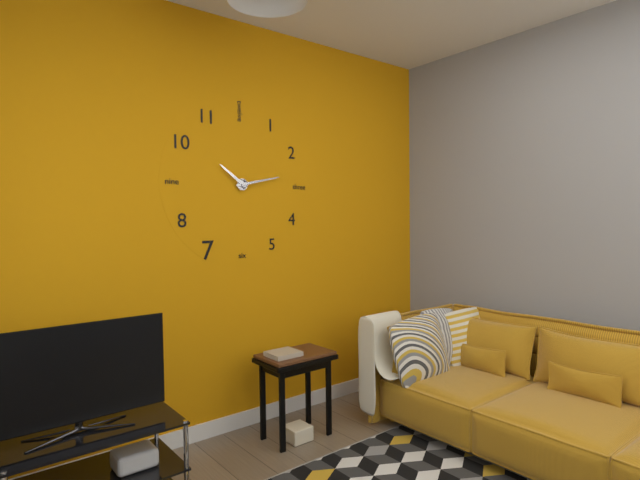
{"hour": 10, "minute": 13}
